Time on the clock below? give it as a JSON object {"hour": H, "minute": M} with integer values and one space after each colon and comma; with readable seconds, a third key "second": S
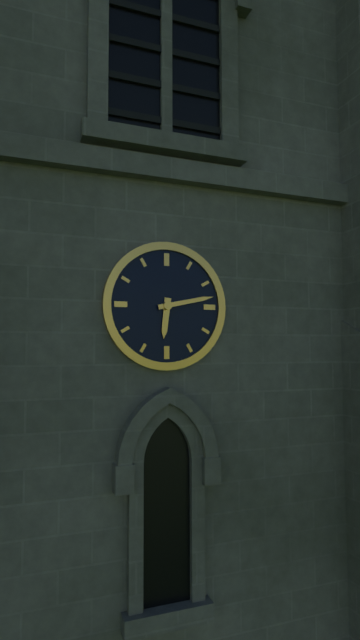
{"hour": 6, "minute": 13}
